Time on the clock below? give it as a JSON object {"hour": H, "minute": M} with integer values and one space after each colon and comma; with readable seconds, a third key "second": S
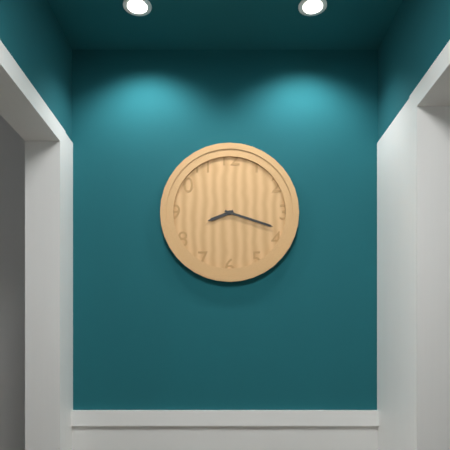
{"hour": 8, "minute": 18}
